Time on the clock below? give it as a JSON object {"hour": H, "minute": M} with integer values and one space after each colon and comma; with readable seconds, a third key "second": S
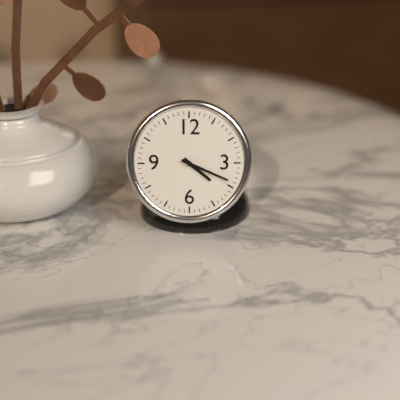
{"hour": 4, "minute": 19}
